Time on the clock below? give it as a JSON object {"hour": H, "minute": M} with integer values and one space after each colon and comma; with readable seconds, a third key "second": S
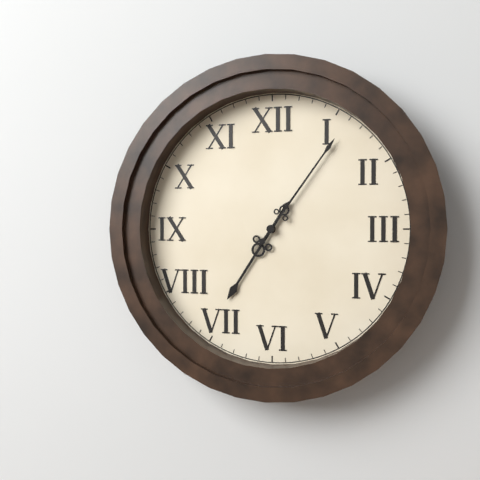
{"hour": 7, "minute": 6}
